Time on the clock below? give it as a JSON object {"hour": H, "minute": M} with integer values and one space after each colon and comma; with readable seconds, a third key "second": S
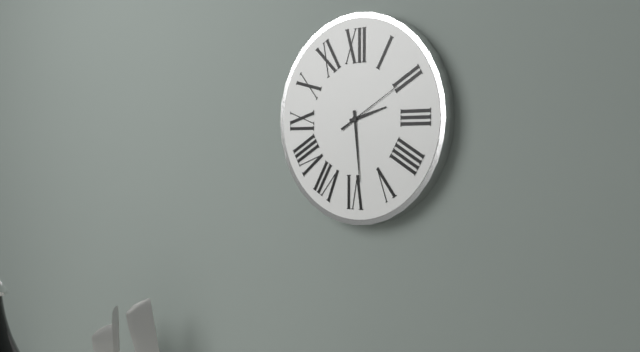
{"hour": 2, "minute": 29, "second": 10}
